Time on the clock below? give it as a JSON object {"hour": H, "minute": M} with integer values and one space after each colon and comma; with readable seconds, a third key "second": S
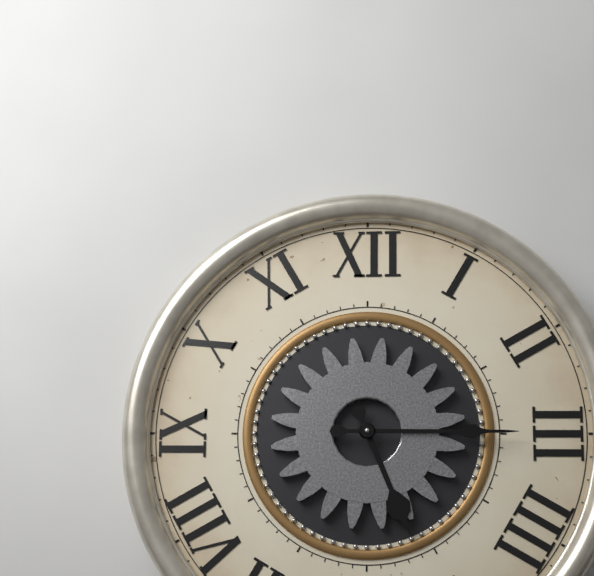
{"hour": 5, "minute": 15}
